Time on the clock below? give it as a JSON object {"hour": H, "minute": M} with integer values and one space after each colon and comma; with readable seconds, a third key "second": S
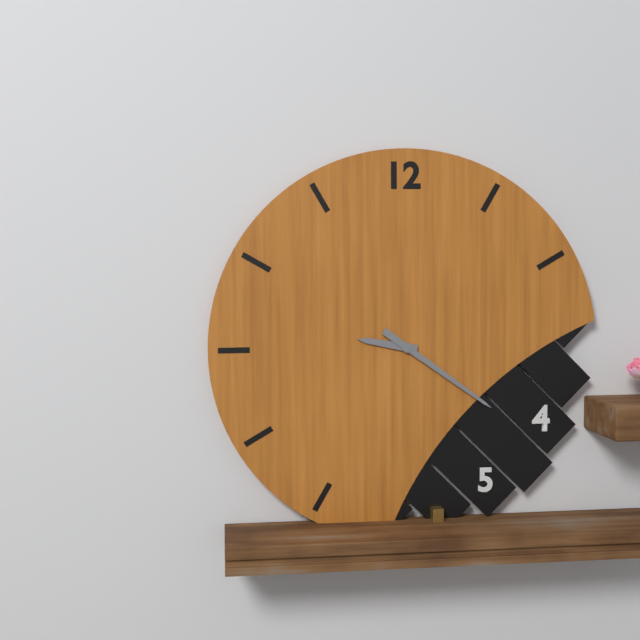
{"hour": 9, "minute": 21}
